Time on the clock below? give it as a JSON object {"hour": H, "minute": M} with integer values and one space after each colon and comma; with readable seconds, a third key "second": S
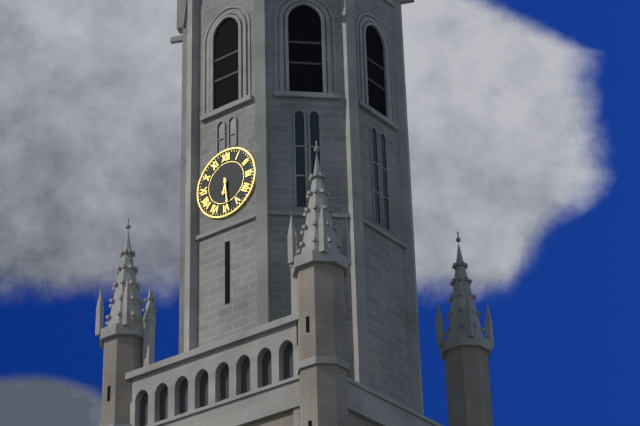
{"hour": 6, "minute": 29}
